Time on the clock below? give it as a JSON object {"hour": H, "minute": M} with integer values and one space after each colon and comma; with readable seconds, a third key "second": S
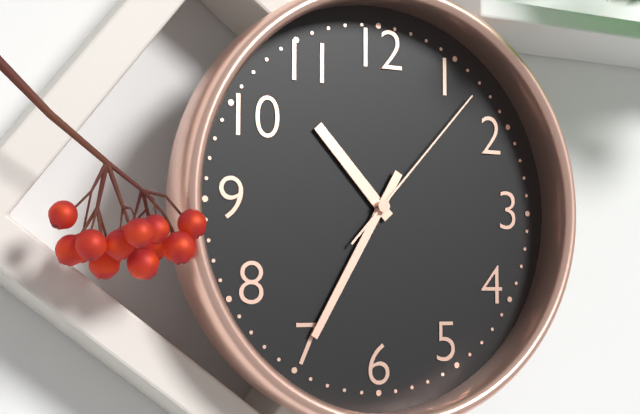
{"hour": 10, "minute": 35, "second": 7}
